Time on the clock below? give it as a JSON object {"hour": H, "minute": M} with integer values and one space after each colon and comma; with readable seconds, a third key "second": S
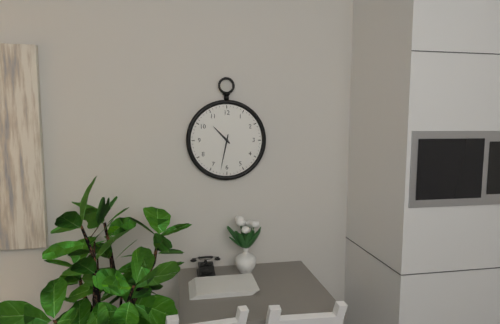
{"hour": 10, "minute": 32}
